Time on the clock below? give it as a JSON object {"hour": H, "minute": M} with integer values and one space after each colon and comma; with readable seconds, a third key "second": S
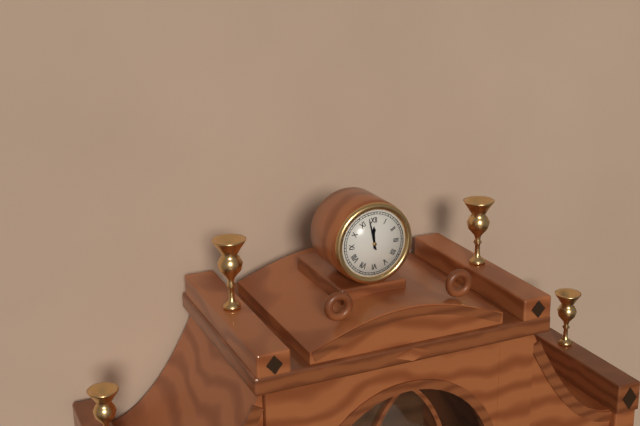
{"hour": 11, "minute": 58}
